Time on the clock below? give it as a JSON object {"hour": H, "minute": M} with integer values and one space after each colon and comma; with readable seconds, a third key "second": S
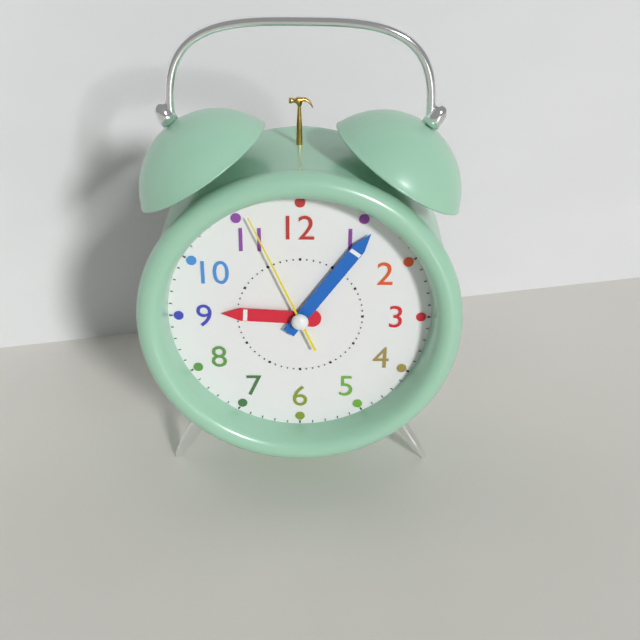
{"hour": 9, "minute": 6, "second": 56}
